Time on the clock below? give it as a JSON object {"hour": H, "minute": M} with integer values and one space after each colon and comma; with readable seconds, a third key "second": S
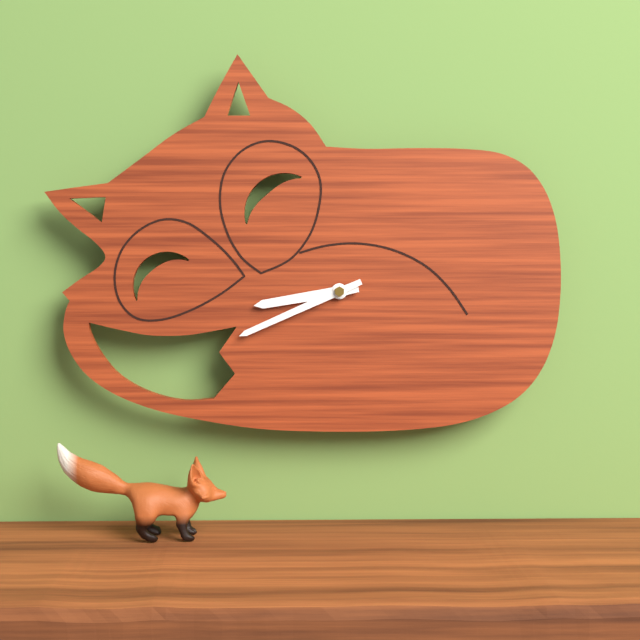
{"hour": 8, "minute": 41}
